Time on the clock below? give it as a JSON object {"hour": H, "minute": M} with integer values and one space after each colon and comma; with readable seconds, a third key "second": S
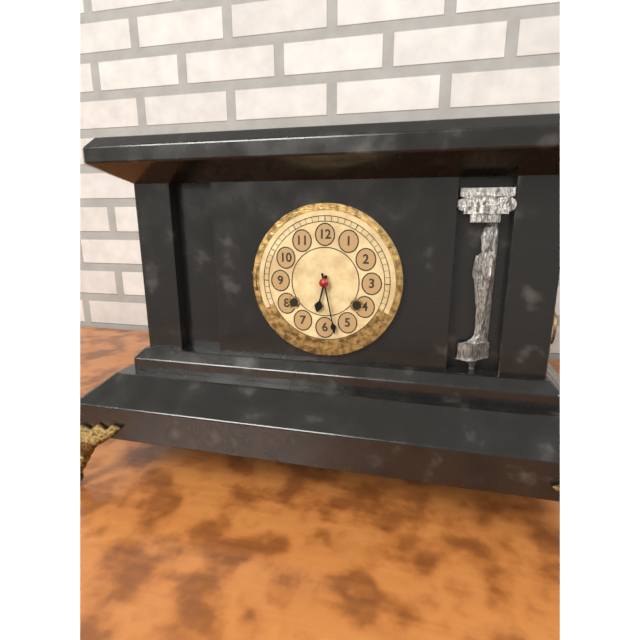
{"hour": 6, "minute": 28}
